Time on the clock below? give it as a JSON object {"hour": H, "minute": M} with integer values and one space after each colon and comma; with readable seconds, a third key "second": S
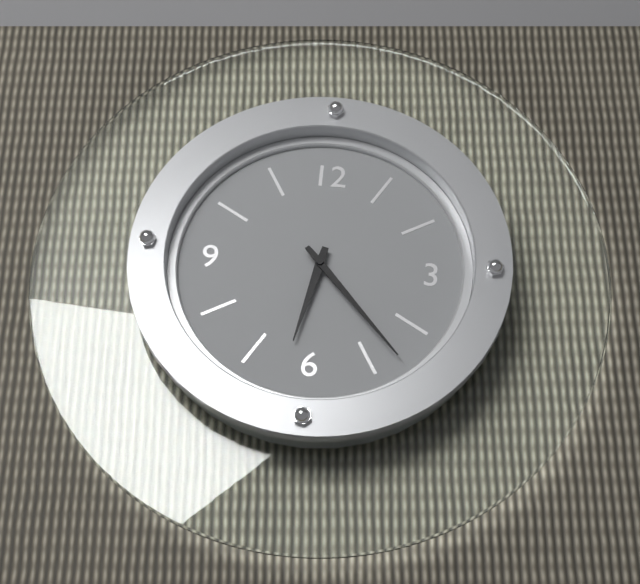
{"hour": 6, "minute": 23}
